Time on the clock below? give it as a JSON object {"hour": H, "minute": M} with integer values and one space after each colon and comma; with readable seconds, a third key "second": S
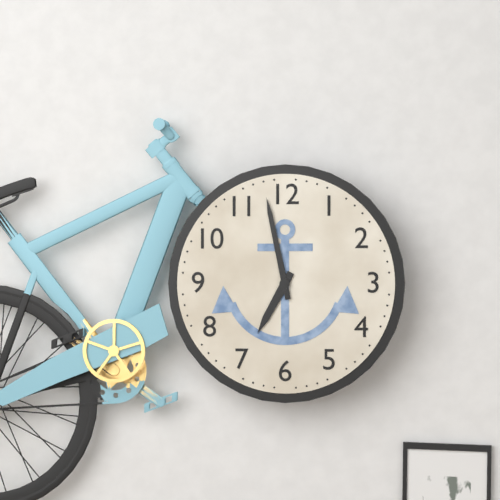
{"hour": 6, "minute": 58}
